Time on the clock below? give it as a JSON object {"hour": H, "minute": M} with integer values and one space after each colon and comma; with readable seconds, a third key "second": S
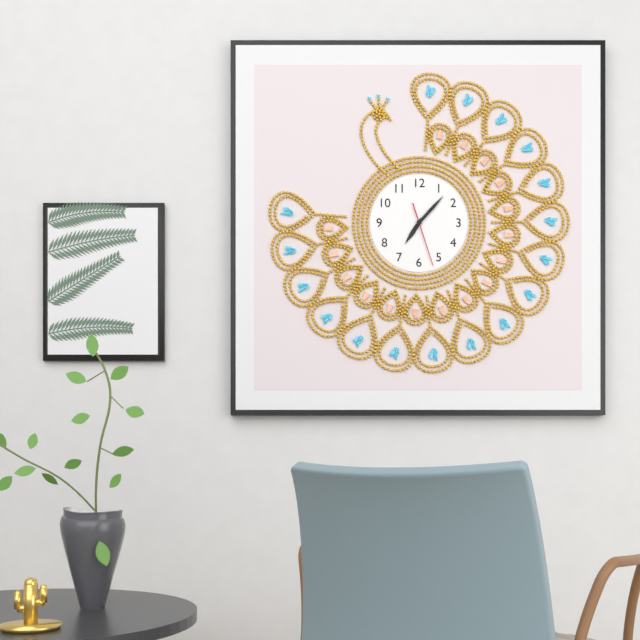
{"hour": 7, "minute": 7, "second": 27}
